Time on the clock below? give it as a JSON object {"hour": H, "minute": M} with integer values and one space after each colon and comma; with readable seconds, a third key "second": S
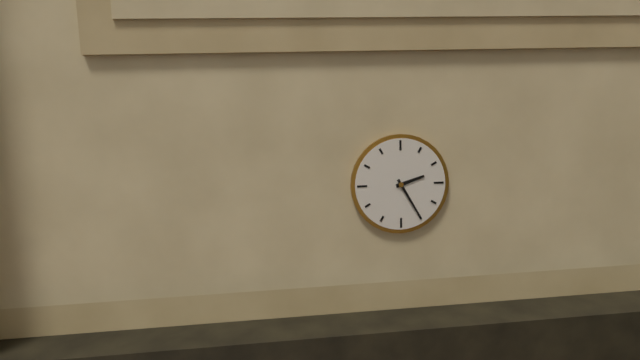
{"hour": 2, "minute": 25}
